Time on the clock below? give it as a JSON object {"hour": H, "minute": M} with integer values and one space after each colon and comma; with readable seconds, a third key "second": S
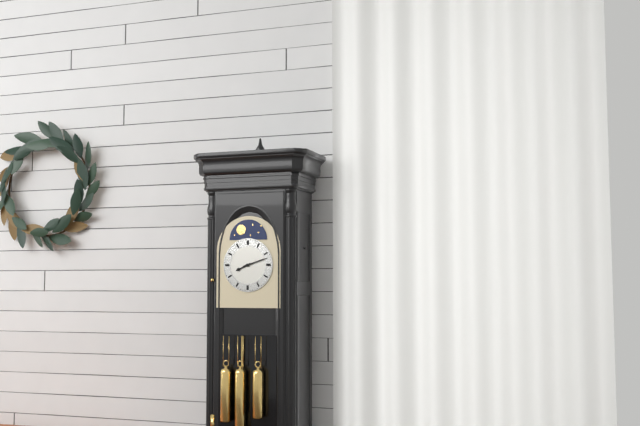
{"hour": 8, "minute": 12}
